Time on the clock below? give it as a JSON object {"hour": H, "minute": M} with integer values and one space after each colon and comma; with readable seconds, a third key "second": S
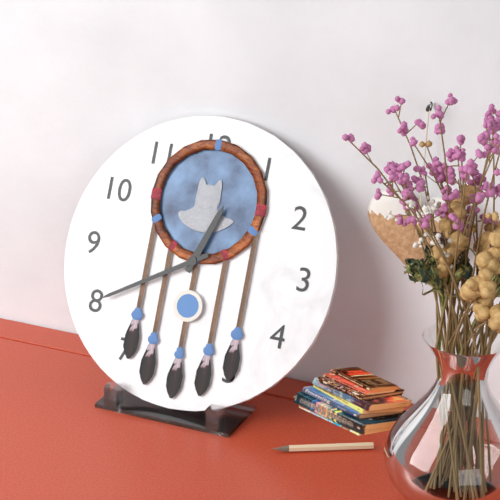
{"hour": 12, "minute": 40}
